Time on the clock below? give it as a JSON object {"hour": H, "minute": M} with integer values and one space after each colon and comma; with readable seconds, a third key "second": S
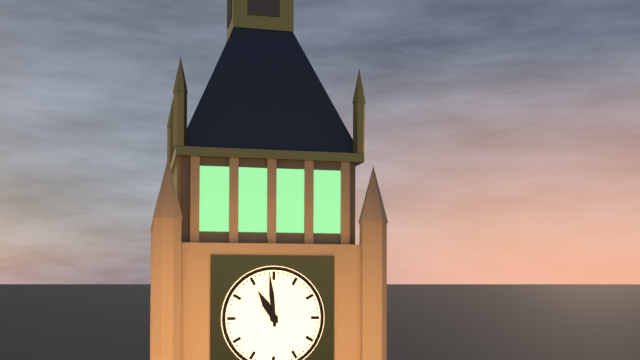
{"hour": 10, "minute": 59}
